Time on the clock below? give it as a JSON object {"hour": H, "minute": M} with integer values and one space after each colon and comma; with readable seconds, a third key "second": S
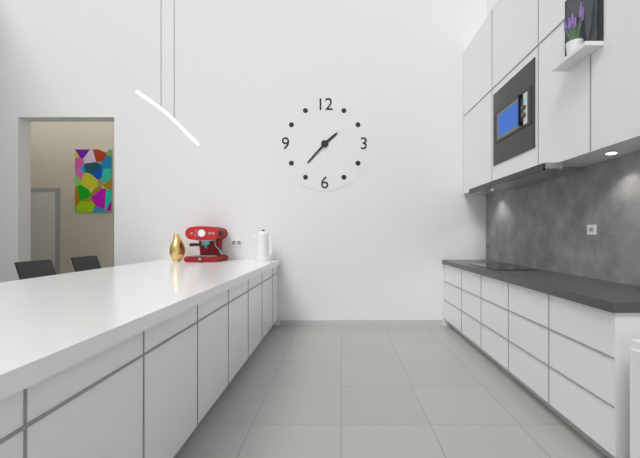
{"hour": 1, "minute": 37}
